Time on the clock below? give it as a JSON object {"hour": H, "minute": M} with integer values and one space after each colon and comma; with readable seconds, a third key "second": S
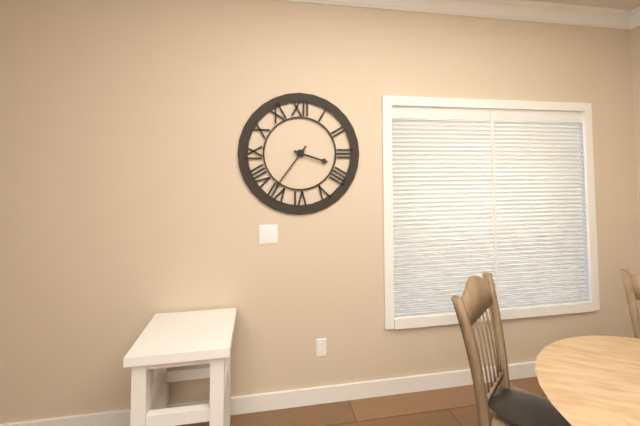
{"hour": 3, "minute": 36}
